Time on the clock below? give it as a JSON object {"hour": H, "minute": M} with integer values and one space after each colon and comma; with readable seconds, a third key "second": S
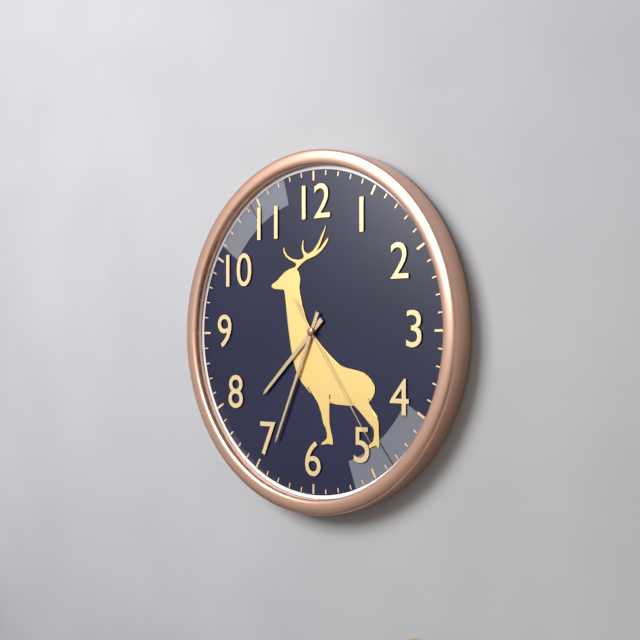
{"hour": 7, "minute": 34, "second": 24}
